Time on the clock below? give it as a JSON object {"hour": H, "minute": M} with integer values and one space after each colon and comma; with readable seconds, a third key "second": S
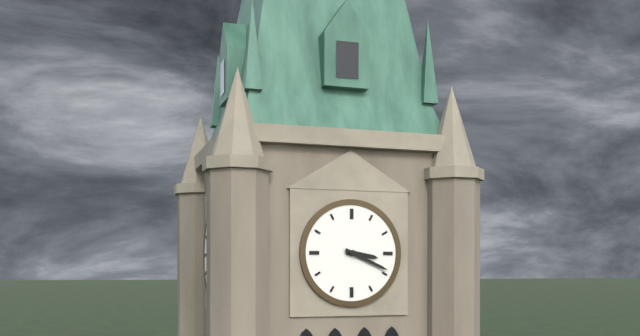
{"hour": 3, "minute": 19}
